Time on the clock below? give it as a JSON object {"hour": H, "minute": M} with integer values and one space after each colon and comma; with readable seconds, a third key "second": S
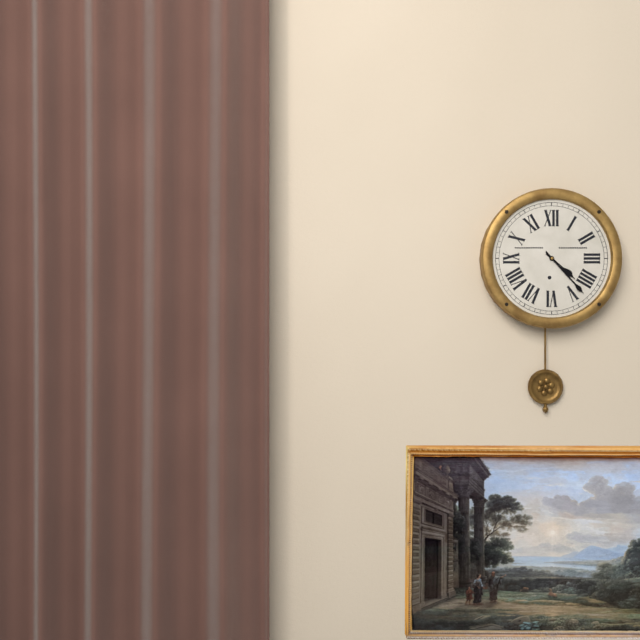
{"hour": 4, "minute": 23}
